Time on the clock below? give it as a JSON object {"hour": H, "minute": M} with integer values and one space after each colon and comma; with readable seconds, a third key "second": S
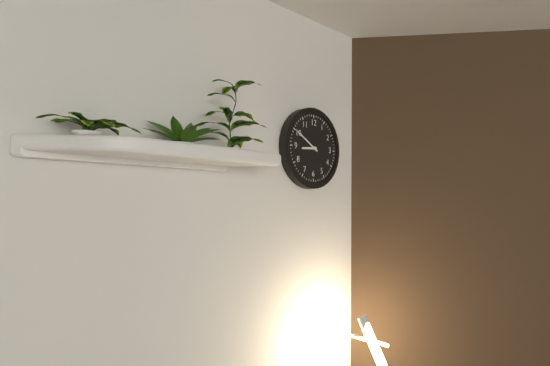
{"hour": 8, "minute": 50}
